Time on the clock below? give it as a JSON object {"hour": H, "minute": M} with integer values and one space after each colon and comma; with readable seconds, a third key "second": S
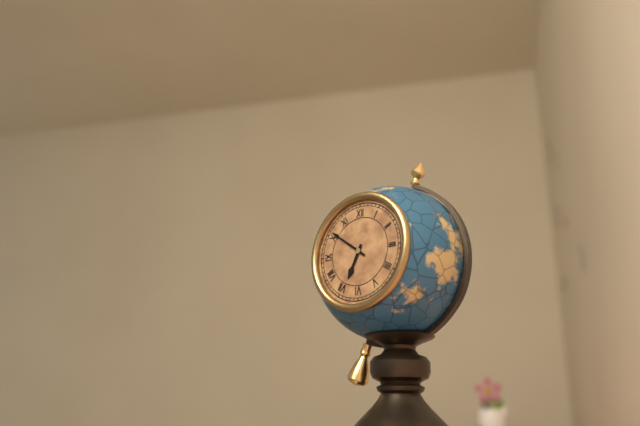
{"hour": 6, "minute": 51}
